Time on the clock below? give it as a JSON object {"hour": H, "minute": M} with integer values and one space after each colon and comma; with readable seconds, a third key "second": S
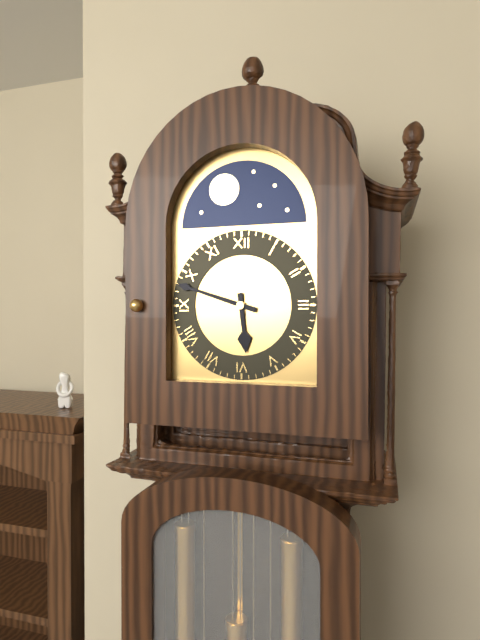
{"hour": 5, "minute": 48}
